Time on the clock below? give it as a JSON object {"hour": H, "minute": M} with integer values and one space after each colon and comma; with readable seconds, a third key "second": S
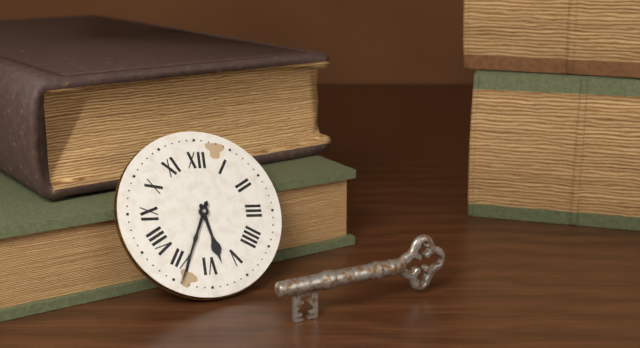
{"hour": 5, "minute": 34}
